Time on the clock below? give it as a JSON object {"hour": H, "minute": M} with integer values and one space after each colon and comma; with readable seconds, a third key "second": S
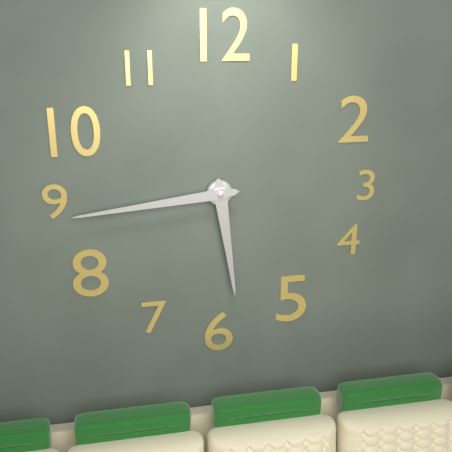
{"hour": 5, "minute": 44}
